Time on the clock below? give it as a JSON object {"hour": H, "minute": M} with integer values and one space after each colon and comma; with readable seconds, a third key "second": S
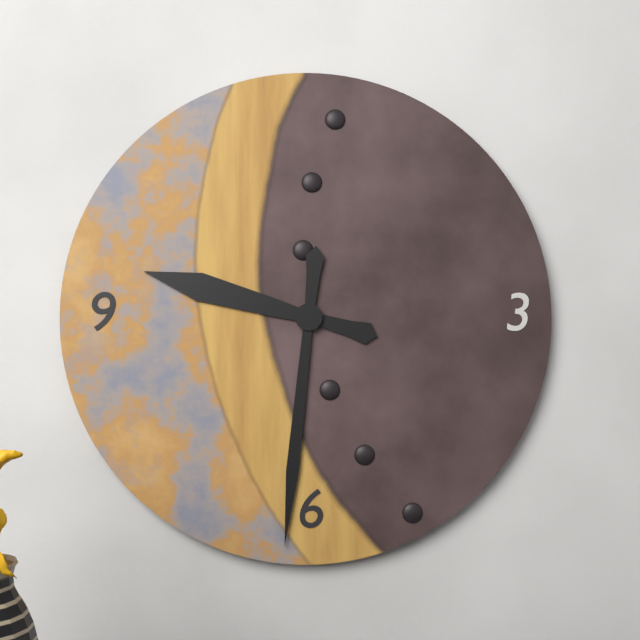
{"hour": 9, "minute": 31}
